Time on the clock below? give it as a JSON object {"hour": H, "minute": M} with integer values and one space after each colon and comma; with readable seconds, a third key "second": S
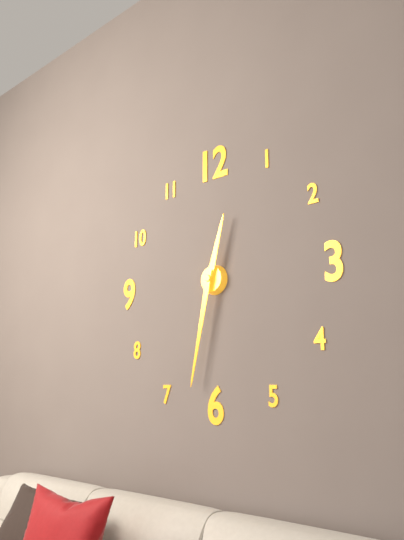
{"hour": 12, "minute": 32}
